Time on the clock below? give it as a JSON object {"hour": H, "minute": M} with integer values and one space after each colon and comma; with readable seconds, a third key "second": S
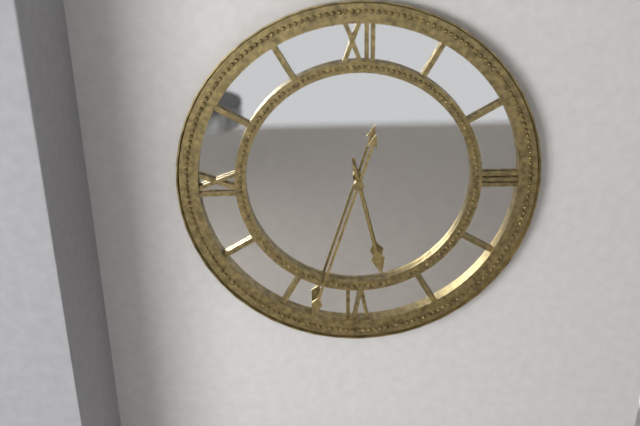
{"hour": 5, "minute": 33}
